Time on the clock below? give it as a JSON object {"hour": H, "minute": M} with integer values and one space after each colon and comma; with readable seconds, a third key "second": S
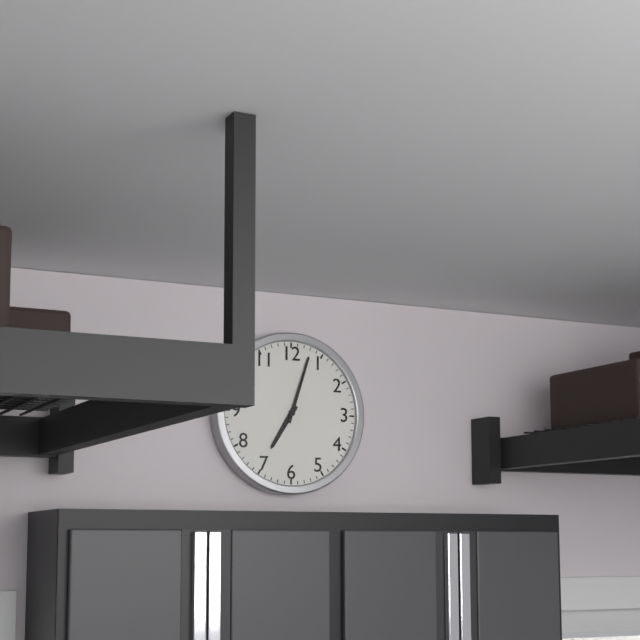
{"hour": 7, "minute": 3}
